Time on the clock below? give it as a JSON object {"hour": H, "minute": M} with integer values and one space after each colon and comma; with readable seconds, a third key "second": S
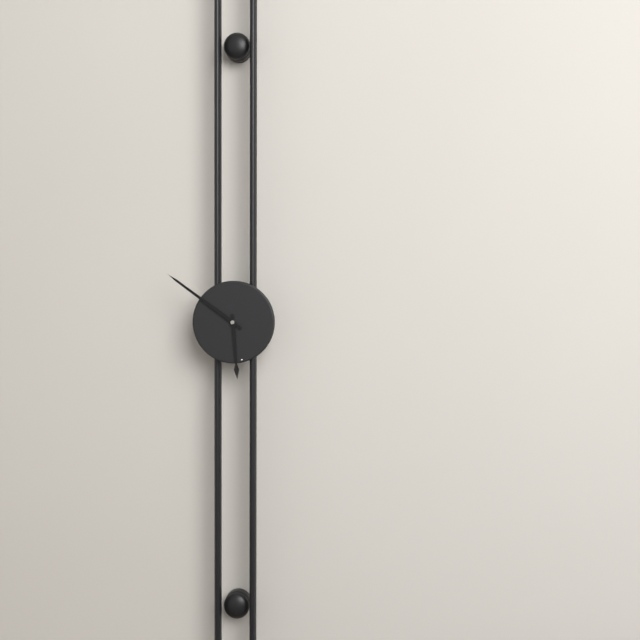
{"hour": 5, "minute": 51}
